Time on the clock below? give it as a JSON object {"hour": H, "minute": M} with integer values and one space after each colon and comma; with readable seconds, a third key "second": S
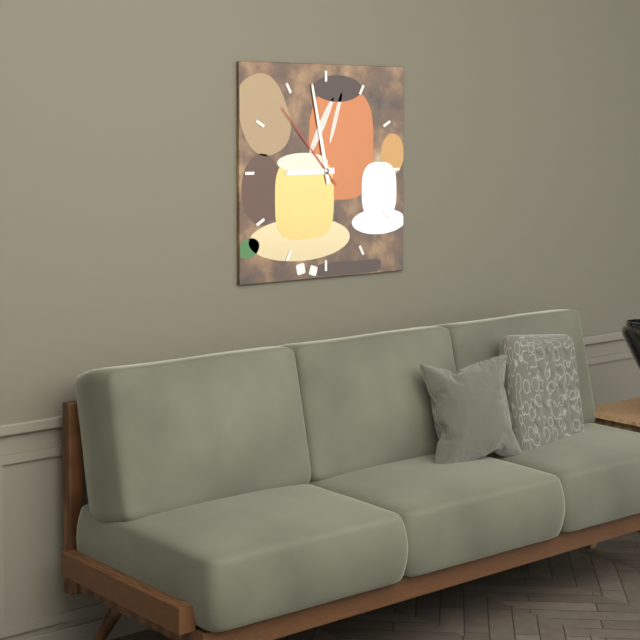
{"hour": 8, "minute": 58, "second": 53}
